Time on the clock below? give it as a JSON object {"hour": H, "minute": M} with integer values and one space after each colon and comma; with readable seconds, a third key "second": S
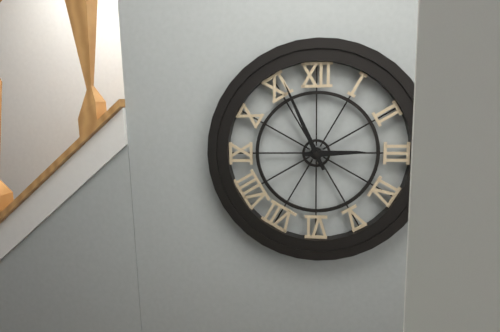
{"hour": 2, "minute": 56}
